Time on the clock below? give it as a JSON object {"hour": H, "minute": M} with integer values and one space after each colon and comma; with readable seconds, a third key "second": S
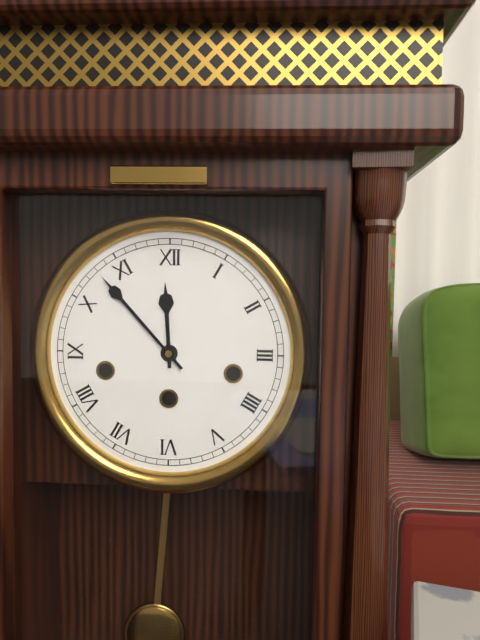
{"hour": 11, "minute": 53}
